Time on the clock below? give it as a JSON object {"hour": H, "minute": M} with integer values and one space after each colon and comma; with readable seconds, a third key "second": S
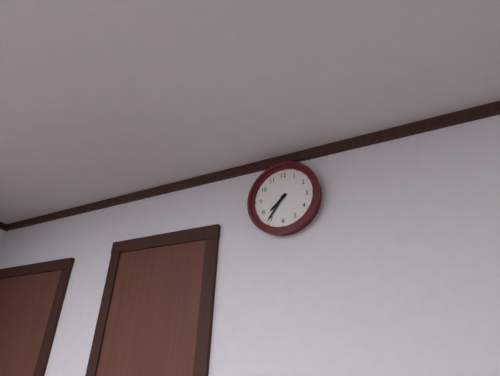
{"hour": 7, "minute": 36}
